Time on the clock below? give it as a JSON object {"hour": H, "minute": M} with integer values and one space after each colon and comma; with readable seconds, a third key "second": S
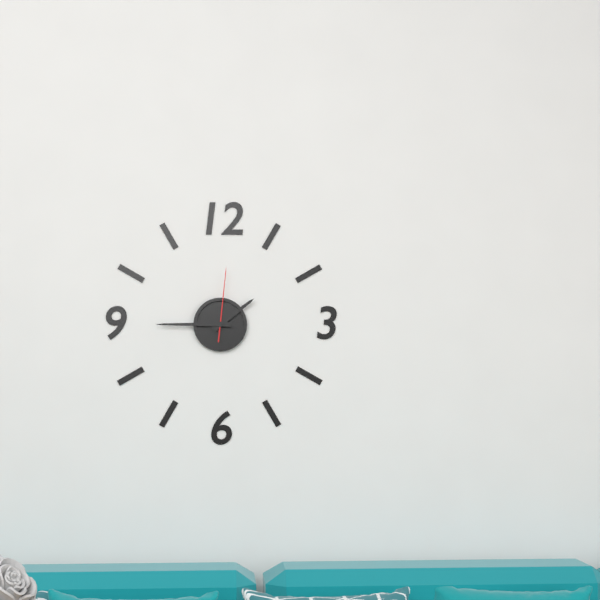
{"hour": 1, "minute": 45, "second": 1}
